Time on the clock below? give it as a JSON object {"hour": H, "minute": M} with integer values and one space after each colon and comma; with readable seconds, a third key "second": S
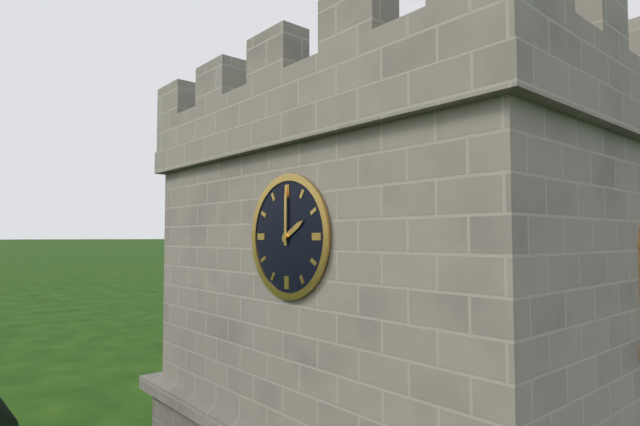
{"hour": 2, "minute": 0}
